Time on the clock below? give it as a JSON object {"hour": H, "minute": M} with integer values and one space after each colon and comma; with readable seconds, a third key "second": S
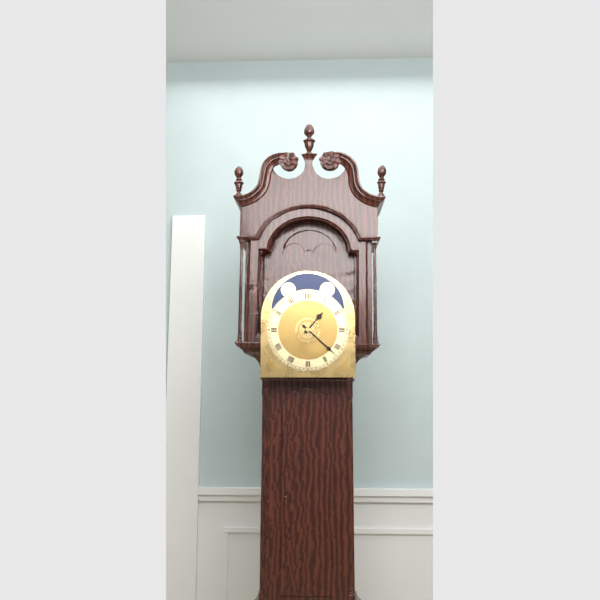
{"hour": 1, "minute": 22}
